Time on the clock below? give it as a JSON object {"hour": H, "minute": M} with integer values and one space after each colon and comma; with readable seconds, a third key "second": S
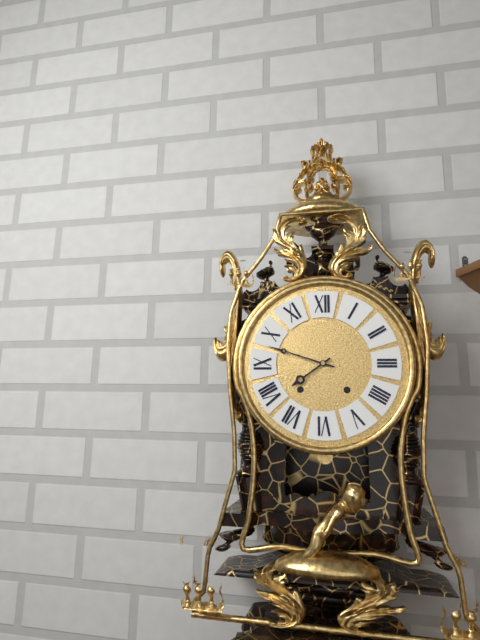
{"hour": 7, "minute": 48}
